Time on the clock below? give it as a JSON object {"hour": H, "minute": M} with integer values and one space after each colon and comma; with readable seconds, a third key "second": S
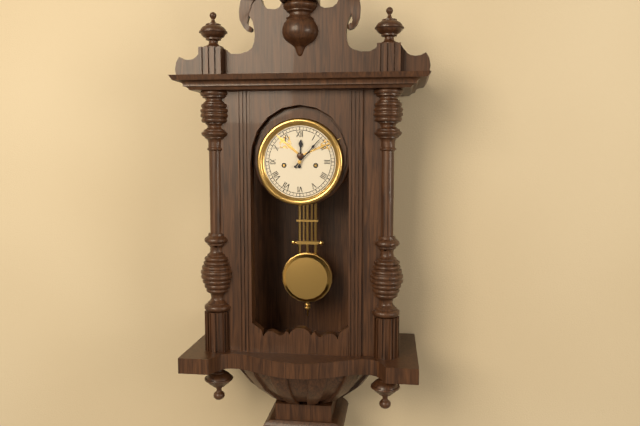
{"hour": 12, "minute": 7}
